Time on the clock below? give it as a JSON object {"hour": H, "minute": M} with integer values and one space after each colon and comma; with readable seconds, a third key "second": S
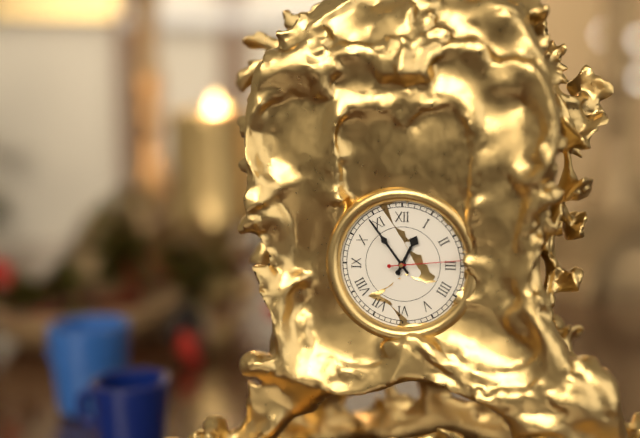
{"hour": 12, "minute": 54, "second": 14}
